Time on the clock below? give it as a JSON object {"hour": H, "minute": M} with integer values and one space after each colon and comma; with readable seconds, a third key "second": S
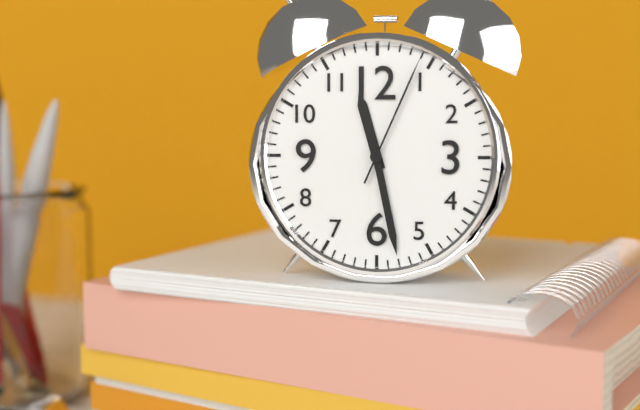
{"hour": 11, "minute": 28, "second": 4}
